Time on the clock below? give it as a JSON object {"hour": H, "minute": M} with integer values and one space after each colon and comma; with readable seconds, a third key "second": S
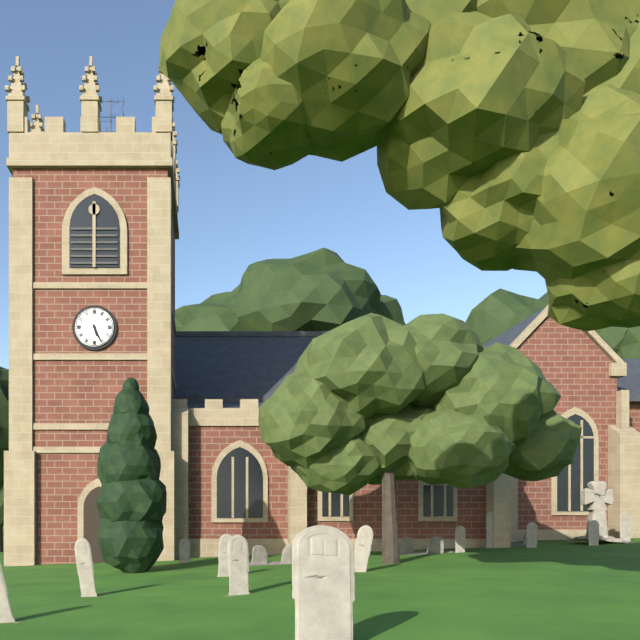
{"hour": 5, "minute": 26}
